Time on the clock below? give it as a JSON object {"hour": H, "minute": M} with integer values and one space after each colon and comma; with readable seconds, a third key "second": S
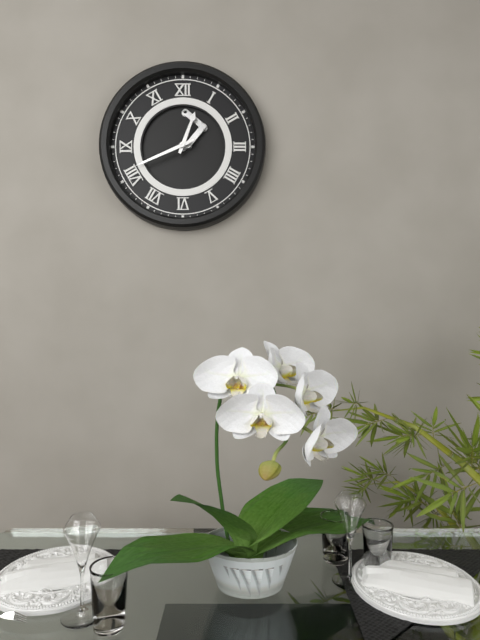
{"hour": 12, "minute": 41}
